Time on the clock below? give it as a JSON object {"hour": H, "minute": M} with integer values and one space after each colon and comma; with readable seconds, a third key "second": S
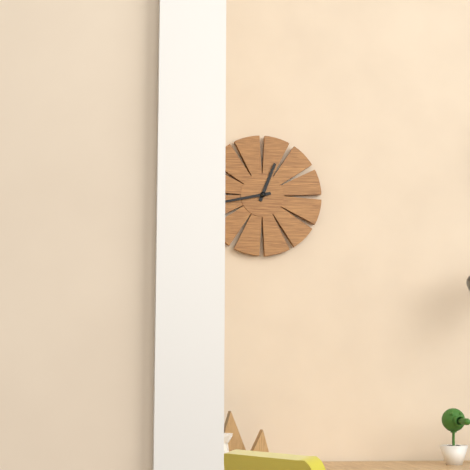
{"hour": 12, "minute": 43}
